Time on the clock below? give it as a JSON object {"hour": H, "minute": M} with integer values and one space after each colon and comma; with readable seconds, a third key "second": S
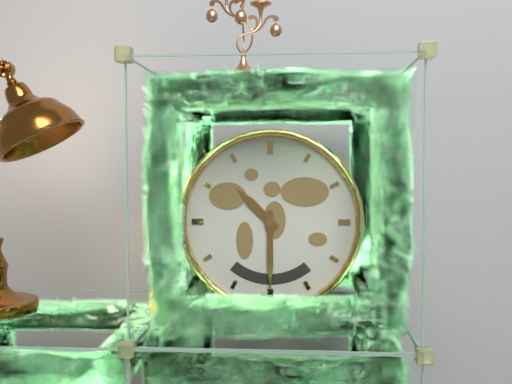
{"hour": 10, "minute": 30}
